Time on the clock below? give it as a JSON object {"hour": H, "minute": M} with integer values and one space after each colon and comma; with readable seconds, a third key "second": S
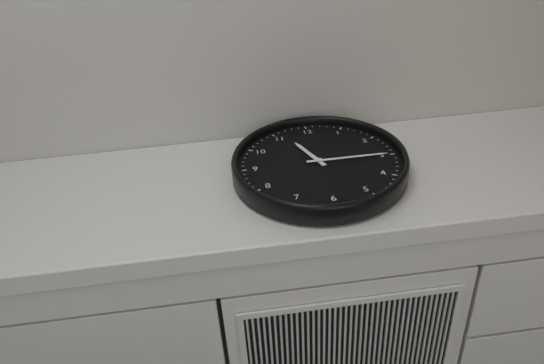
{"hour": 11, "minute": 15}
